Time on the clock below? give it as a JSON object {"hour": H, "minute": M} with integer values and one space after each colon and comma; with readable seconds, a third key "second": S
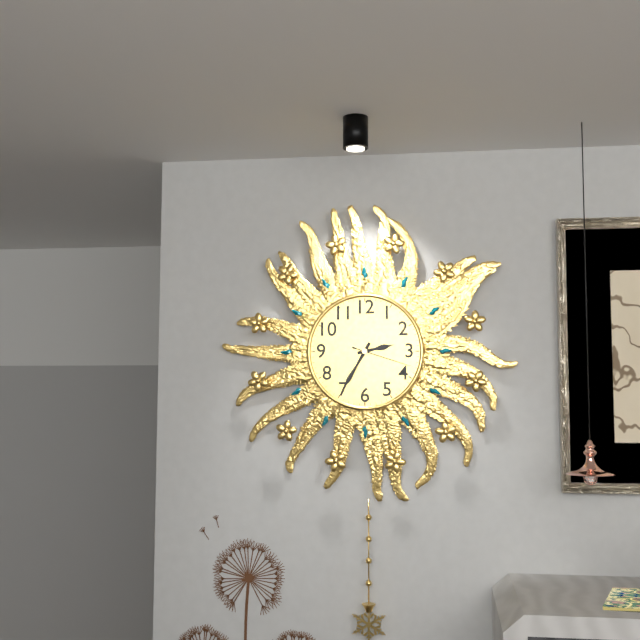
{"hour": 2, "minute": 35, "second": 18}
